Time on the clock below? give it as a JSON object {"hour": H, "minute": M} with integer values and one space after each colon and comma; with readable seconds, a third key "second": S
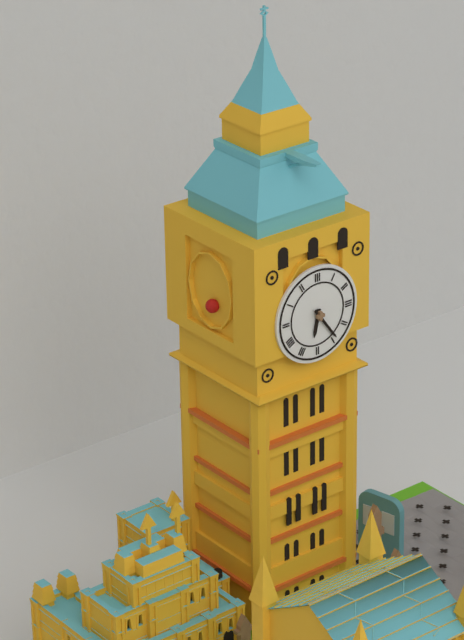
{"hour": 6, "minute": 24}
